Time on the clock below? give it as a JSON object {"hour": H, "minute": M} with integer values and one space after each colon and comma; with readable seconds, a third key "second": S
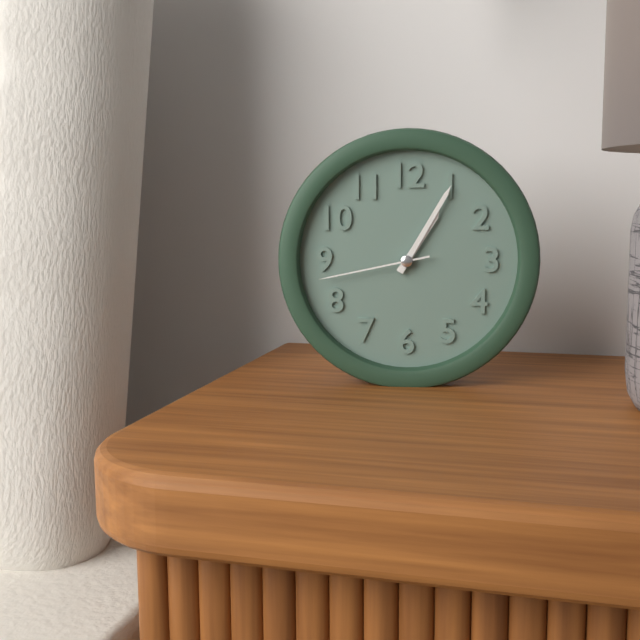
{"hour": 1, "minute": 5, "second": 43}
